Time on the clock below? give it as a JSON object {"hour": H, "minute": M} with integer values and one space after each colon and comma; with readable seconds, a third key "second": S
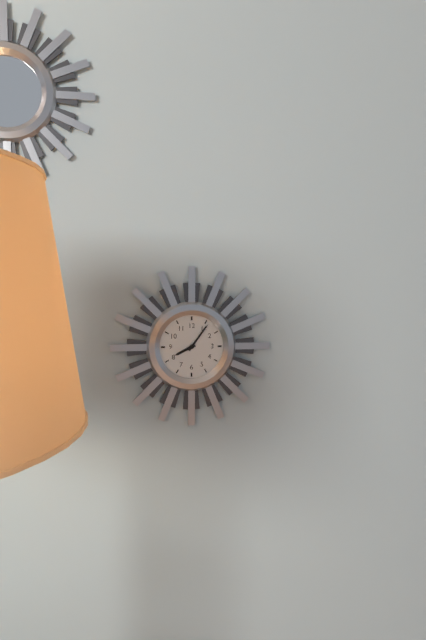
{"hour": 8, "minute": 6}
